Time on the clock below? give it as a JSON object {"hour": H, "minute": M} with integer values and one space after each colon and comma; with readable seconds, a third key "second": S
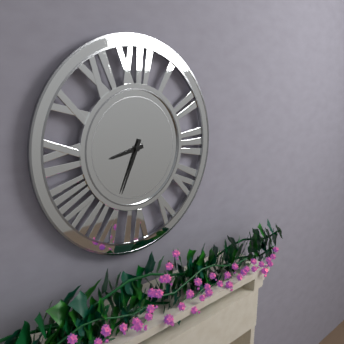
{"hour": 8, "minute": 34}
